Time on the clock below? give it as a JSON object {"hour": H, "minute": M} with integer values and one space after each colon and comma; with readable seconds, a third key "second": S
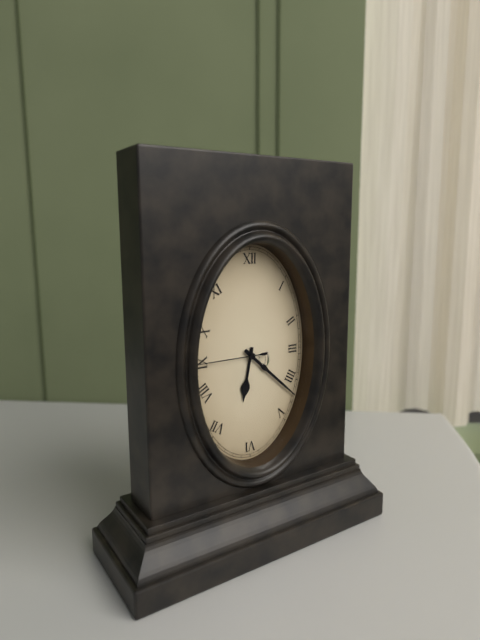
{"hour": 6, "minute": 22, "second": 45}
